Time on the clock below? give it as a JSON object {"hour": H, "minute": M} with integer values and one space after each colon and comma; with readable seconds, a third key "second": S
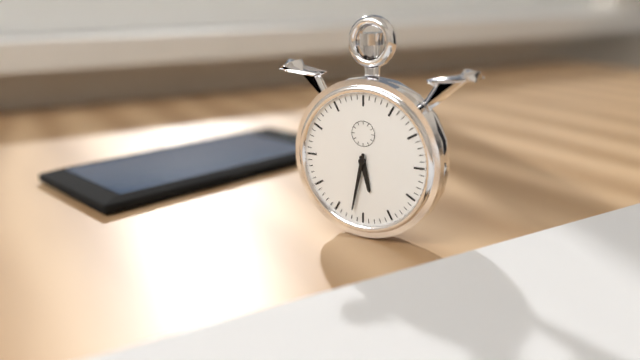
{"hour": 5, "minute": 32}
